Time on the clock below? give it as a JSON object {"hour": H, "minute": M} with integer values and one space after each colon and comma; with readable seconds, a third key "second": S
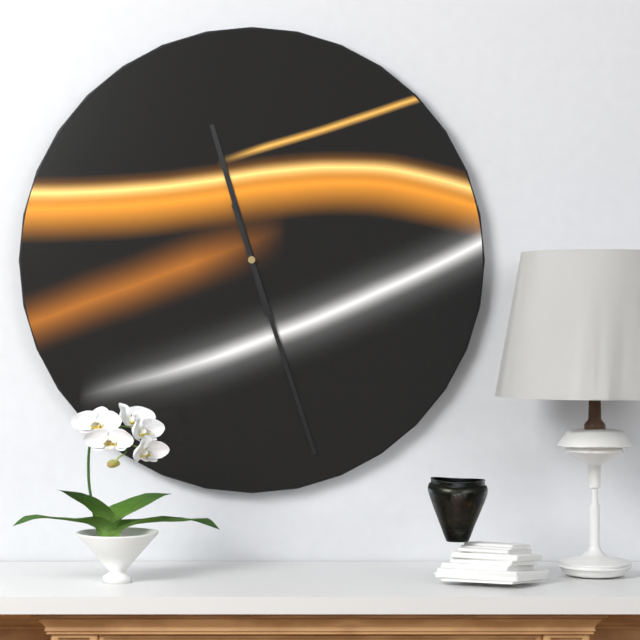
{"hour": 11, "minute": 27}
